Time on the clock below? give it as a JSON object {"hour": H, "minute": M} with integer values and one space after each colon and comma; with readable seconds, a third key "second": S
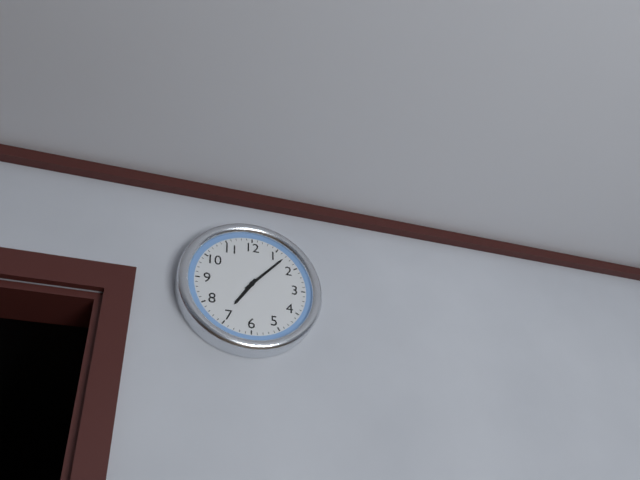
{"hour": 7, "minute": 7}
